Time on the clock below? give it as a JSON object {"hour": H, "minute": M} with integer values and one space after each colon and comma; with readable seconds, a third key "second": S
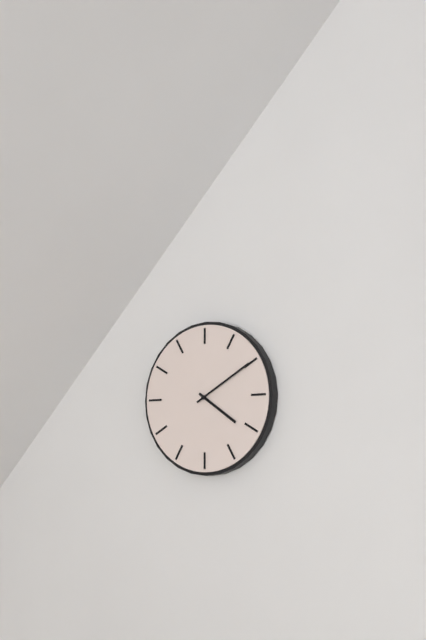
{"hour": 4, "minute": 10}
